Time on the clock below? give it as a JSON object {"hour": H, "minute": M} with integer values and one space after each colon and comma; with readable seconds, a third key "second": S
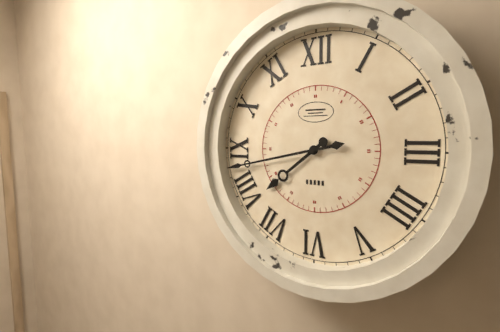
{"hour": 7, "minute": 43}
